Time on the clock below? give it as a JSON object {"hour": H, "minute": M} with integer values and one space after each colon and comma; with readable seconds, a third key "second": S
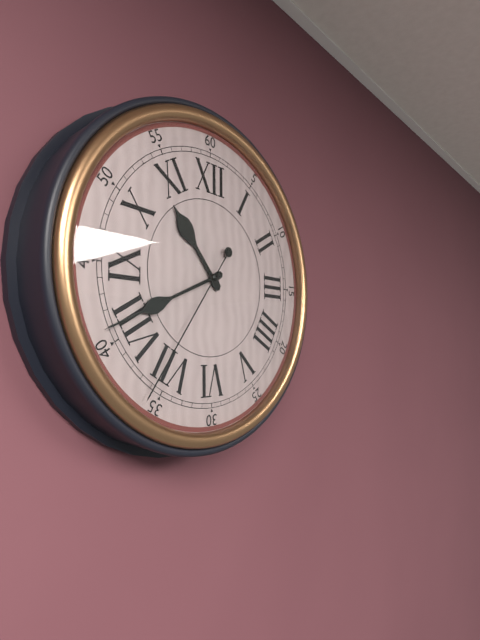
{"hour": 10, "minute": 41, "second": 36}
